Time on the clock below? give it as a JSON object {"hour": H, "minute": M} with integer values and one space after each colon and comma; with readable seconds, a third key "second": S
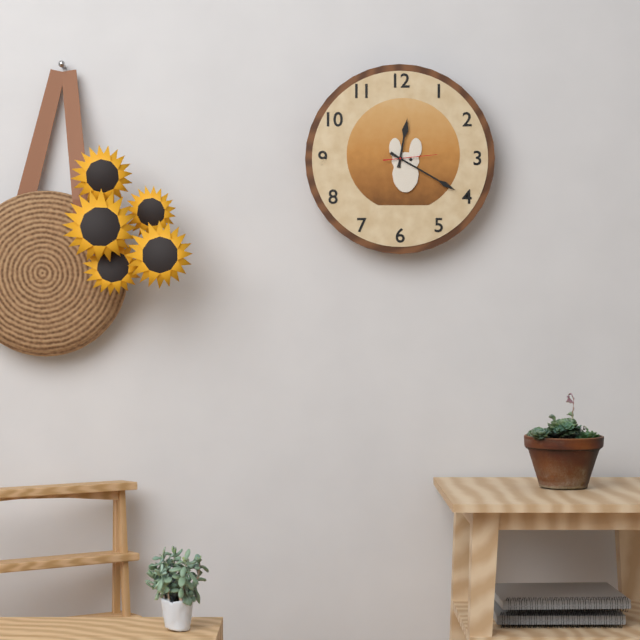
{"hour": 12, "minute": 20}
